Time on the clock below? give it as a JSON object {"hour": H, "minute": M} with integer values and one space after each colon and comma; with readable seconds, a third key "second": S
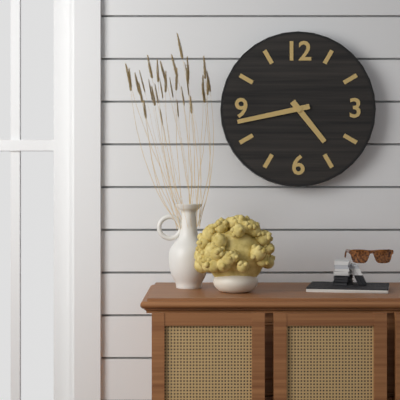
{"hour": 4, "minute": 43}
